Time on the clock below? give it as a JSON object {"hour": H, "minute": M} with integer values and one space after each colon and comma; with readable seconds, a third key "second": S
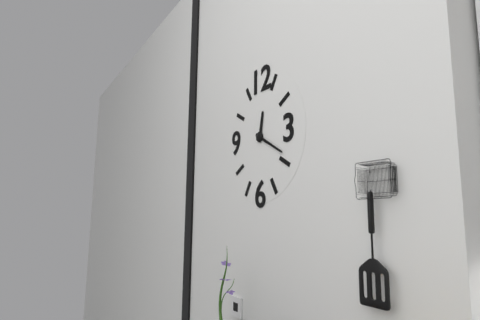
{"hour": 12, "minute": 20}
